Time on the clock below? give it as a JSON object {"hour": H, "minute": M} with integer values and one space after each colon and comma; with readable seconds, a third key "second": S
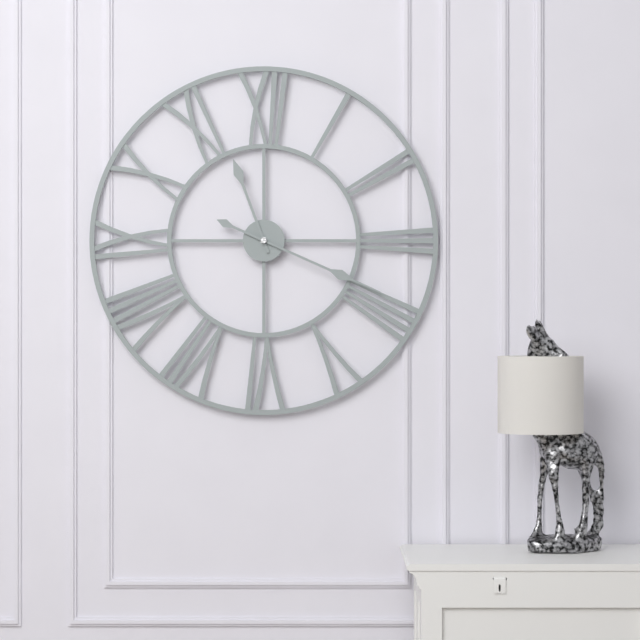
{"hour": 11, "minute": 19}
